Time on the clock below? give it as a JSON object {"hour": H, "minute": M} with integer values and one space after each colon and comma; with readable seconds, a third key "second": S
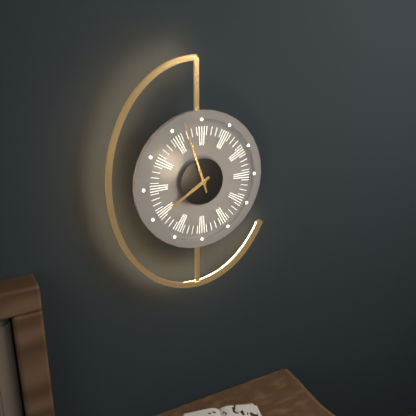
{"hour": 7, "minute": 57}
